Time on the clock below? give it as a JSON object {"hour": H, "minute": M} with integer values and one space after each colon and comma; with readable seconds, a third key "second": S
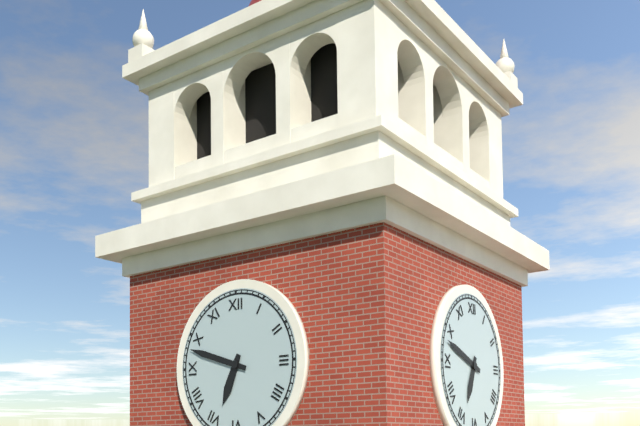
{"hour": 6, "minute": 48}
